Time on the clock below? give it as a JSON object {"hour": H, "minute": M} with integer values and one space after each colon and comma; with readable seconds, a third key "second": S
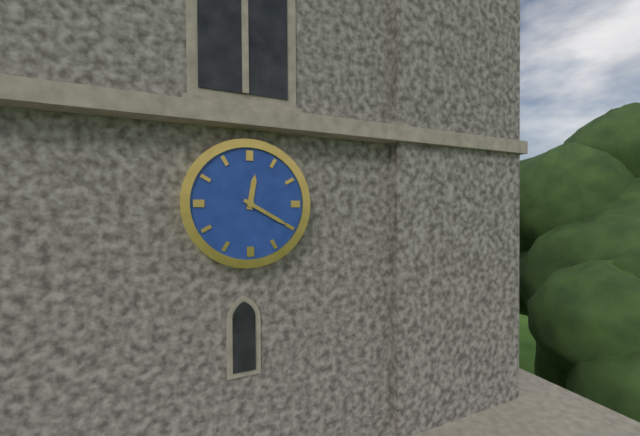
{"hour": 12, "minute": 20}
